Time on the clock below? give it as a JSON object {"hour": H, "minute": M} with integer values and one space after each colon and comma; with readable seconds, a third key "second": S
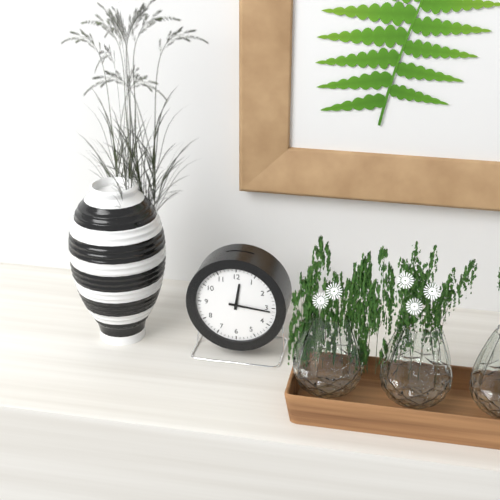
{"hour": 12, "minute": 16}
